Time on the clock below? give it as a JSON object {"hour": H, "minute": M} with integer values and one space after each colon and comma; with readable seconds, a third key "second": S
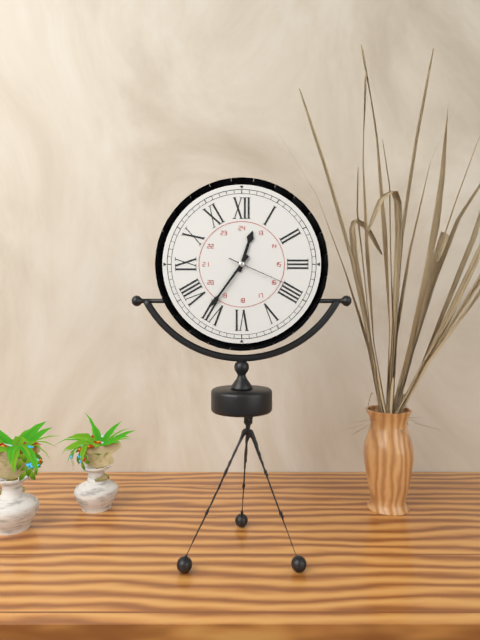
{"hour": 12, "minute": 36, "second": 19}
